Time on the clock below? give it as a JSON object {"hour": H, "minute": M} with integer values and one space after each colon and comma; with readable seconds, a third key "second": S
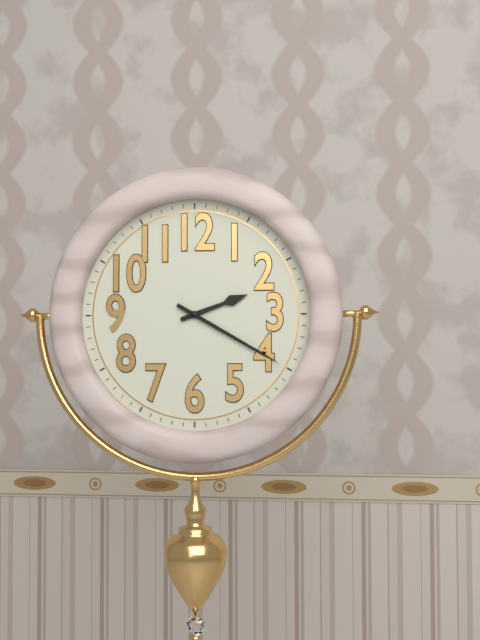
{"hour": 2, "minute": 20}
